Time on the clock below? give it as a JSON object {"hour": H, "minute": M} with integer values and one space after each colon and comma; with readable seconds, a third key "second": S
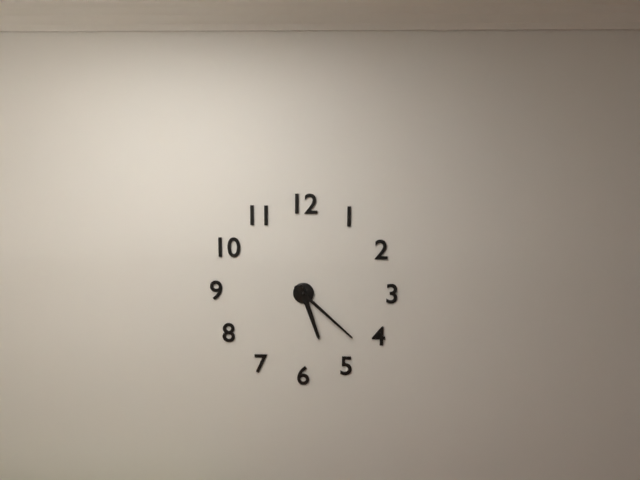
{"hour": 5, "minute": 22}
